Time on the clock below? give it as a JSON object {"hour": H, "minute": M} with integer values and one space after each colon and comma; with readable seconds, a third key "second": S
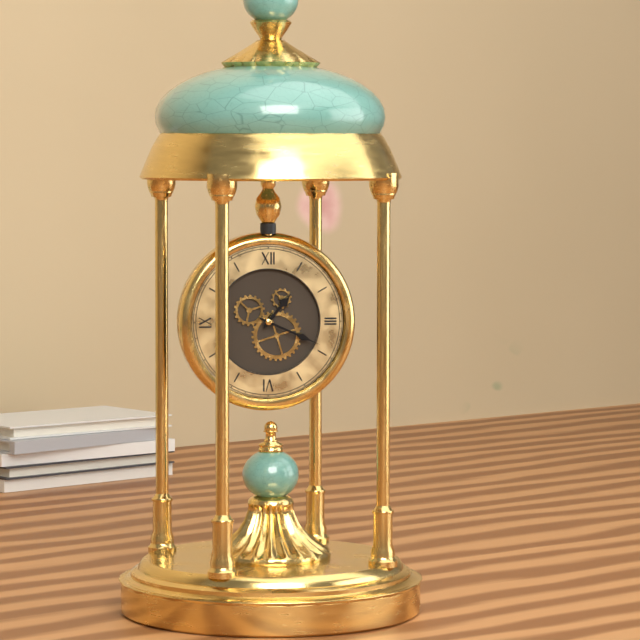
{"hour": 1, "minute": 19}
